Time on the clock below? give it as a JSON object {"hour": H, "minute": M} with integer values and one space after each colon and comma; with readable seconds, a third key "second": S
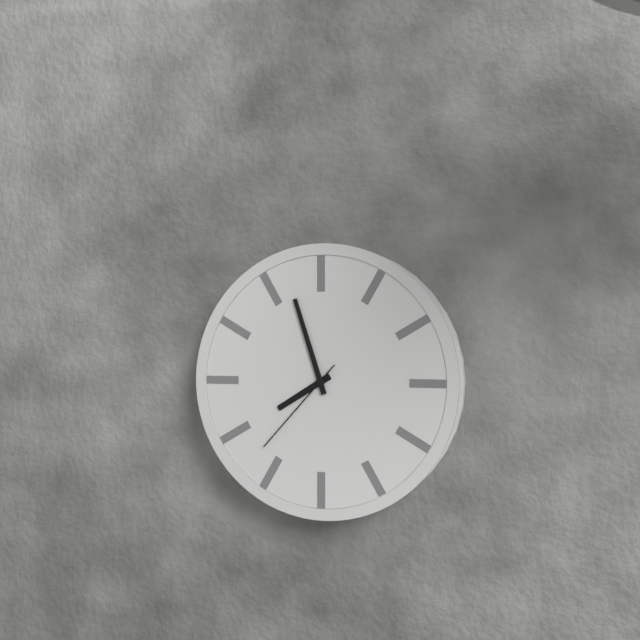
{"hour": 7, "minute": 57, "second": 37}
